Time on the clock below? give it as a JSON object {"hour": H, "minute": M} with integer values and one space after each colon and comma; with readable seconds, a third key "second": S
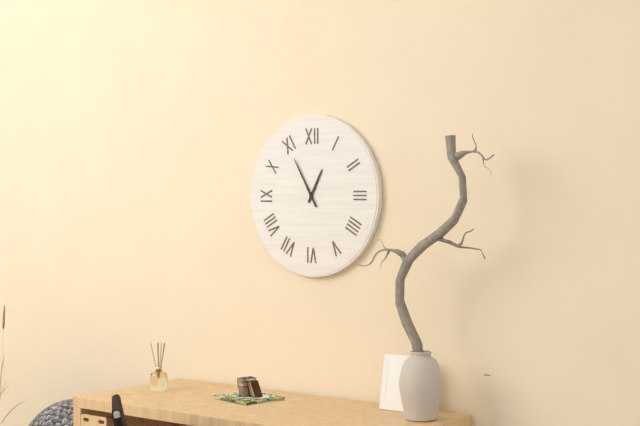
{"hour": 12, "minute": 55}
